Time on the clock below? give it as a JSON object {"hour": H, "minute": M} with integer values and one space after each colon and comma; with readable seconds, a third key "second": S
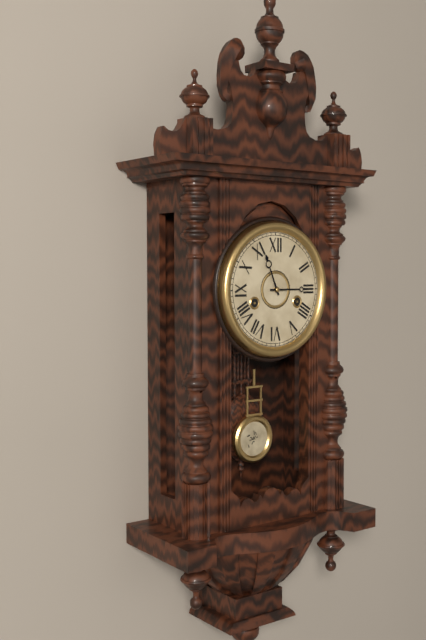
{"hour": 11, "minute": 15}
